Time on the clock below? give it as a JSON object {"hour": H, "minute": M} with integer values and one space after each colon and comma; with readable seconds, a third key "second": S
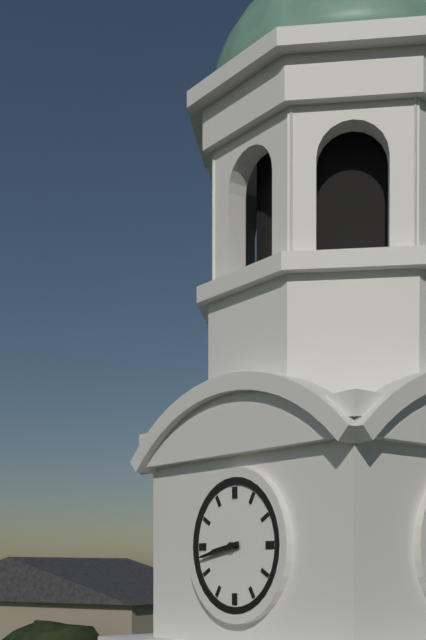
{"hour": 8, "minute": 43}
